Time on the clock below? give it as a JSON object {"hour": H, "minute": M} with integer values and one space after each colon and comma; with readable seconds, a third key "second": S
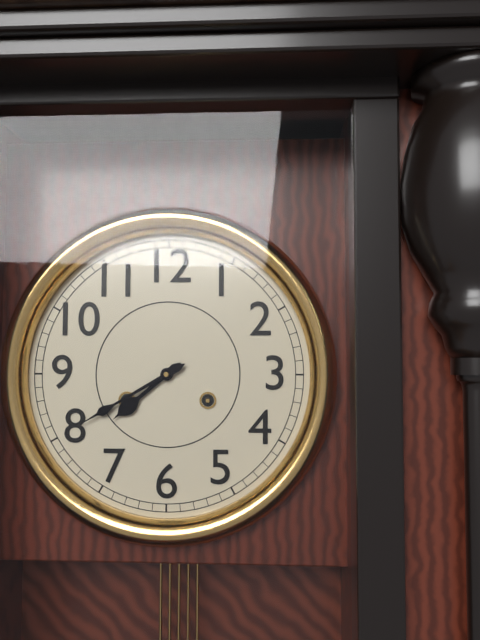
{"hour": 7, "minute": 40}
